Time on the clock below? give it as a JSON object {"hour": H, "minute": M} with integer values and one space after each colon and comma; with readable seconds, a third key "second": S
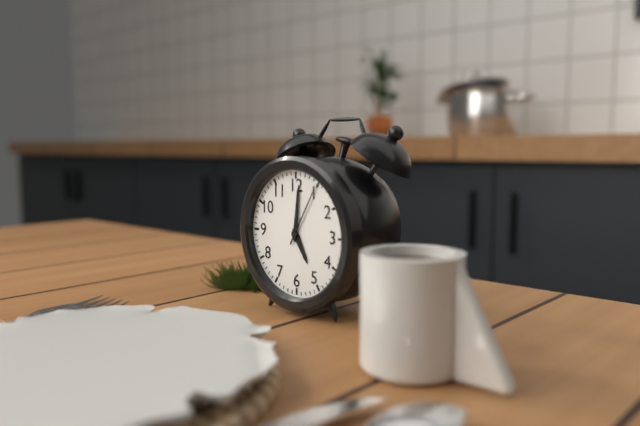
{"hour": 5, "minute": 1, "second": 5}
